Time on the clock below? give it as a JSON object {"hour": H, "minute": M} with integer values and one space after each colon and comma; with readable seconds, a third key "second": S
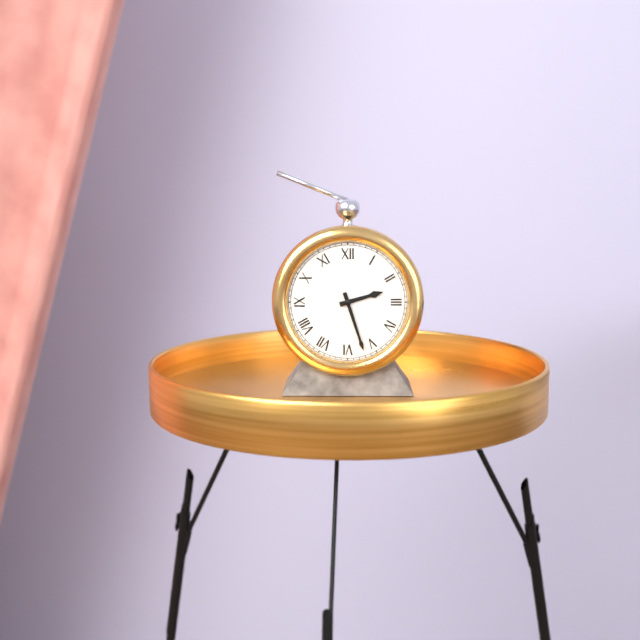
{"hour": 2, "minute": 27}
